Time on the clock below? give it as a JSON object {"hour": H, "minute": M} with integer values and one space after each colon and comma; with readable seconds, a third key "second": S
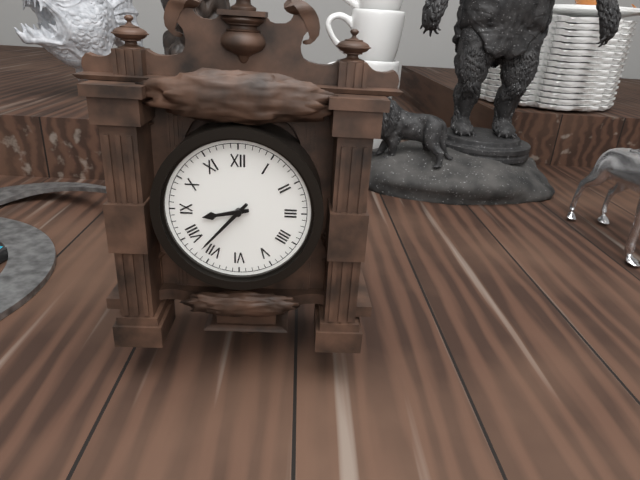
{"hour": 8, "minute": 37}
